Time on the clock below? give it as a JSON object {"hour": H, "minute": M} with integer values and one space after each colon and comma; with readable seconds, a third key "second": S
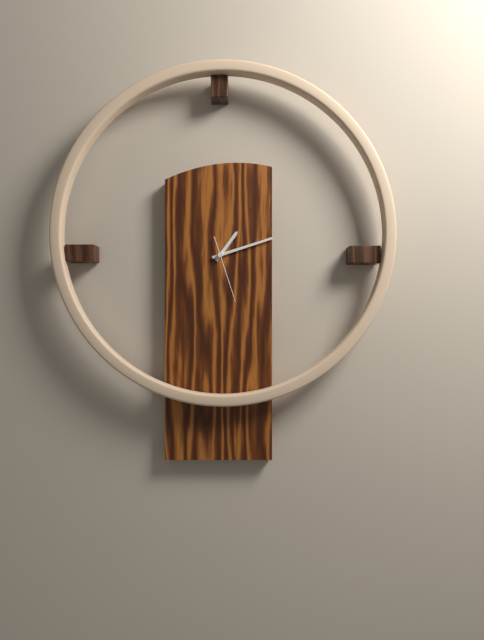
{"hour": 1, "minute": 12, "second": 27}
